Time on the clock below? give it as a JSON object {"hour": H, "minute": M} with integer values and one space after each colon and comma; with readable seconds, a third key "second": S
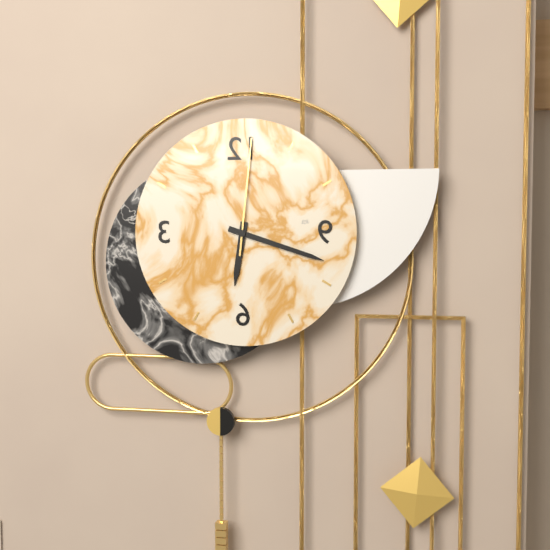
{"hour": 6, "minute": 18, "second": 1}
